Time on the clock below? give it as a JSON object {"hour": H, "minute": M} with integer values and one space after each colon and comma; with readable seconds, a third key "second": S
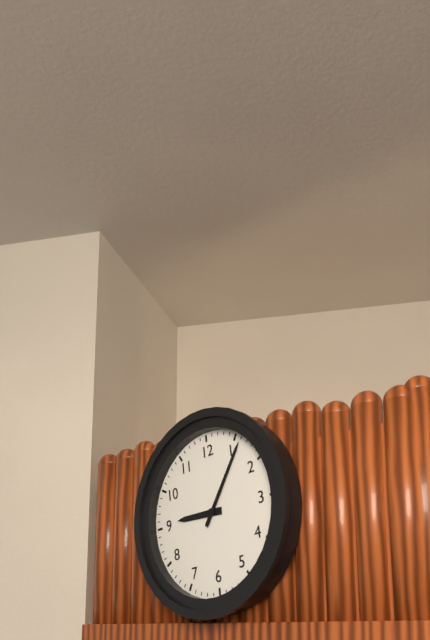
{"hour": 9, "minute": 6}
